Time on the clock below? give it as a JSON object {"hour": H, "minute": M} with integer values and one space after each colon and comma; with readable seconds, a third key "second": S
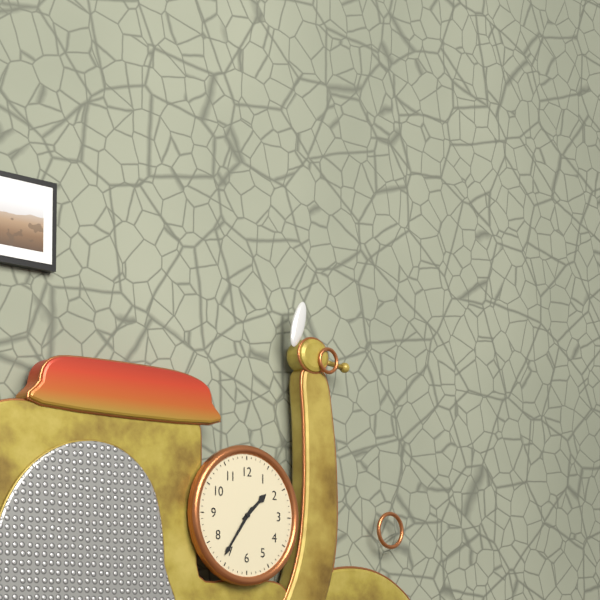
{"hour": 1, "minute": 36}
